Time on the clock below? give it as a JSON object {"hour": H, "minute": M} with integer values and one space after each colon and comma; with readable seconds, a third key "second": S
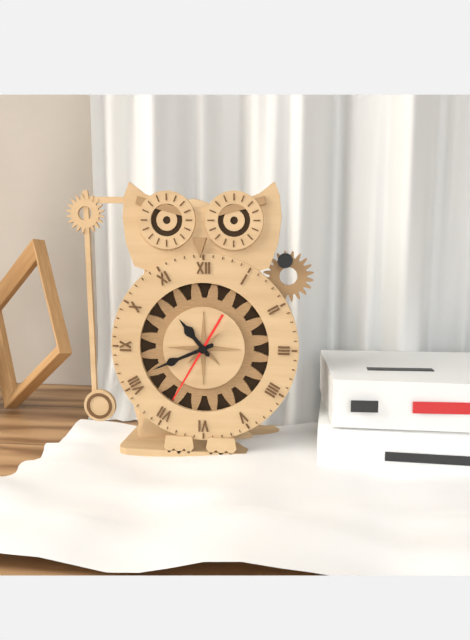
{"hour": 10, "minute": 41, "second": 35}
